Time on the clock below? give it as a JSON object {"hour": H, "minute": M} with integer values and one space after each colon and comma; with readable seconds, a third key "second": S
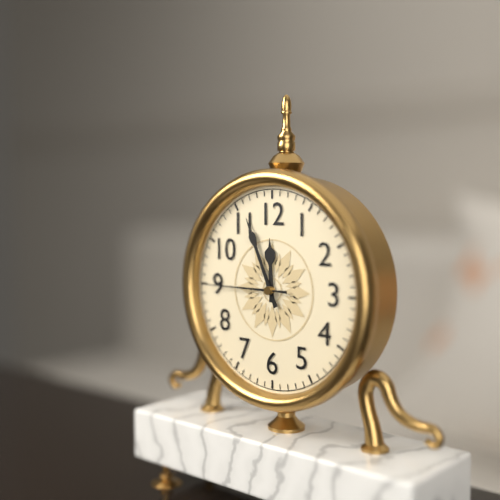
{"hour": 11, "minute": 56, "second": 45}
